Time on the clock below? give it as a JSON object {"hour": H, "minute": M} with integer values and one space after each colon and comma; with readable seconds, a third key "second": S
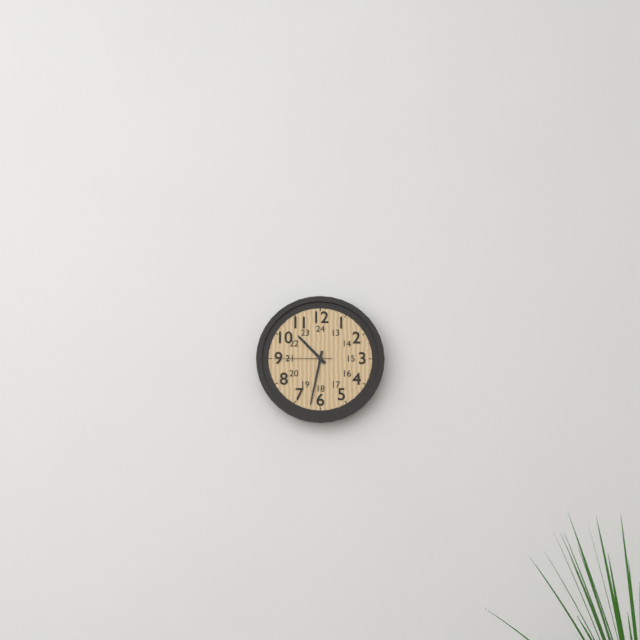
{"hour": 10, "minute": 32, "second": 45}
